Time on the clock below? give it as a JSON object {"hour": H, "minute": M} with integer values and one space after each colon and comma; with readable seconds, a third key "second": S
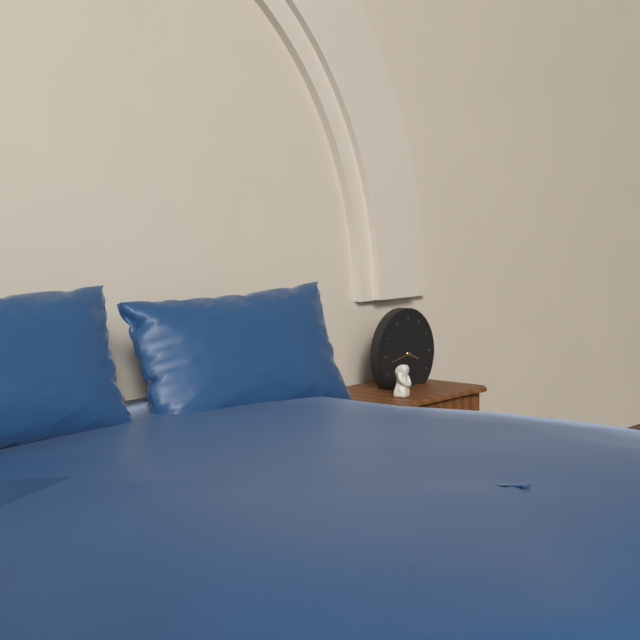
{"hour": 3, "minute": 43}
